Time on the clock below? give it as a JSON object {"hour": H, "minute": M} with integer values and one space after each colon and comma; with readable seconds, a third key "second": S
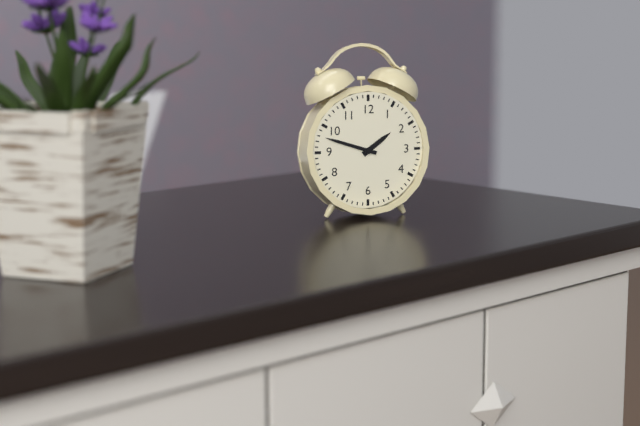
{"hour": 1, "minute": 48}
